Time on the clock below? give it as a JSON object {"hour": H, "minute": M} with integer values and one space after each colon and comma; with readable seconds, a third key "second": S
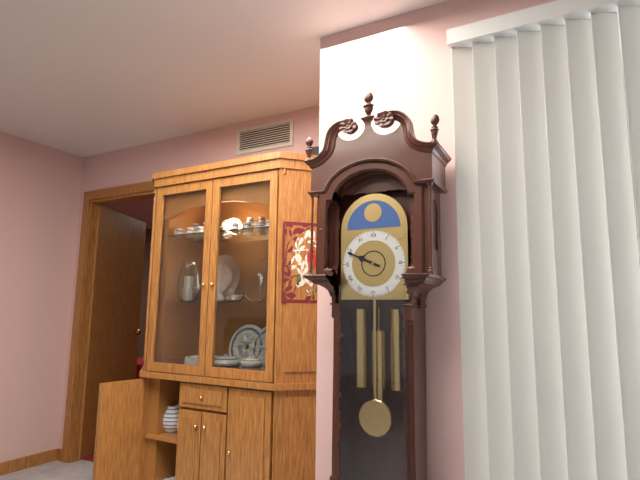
{"hour": 9, "minute": 49}
